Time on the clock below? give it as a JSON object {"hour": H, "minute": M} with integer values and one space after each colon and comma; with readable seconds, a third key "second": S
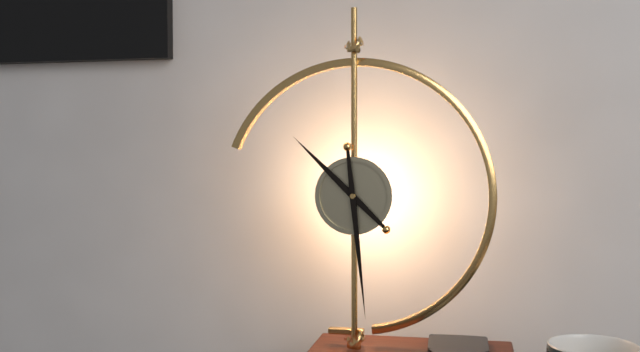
{"hour": 10, "minute": 29}
